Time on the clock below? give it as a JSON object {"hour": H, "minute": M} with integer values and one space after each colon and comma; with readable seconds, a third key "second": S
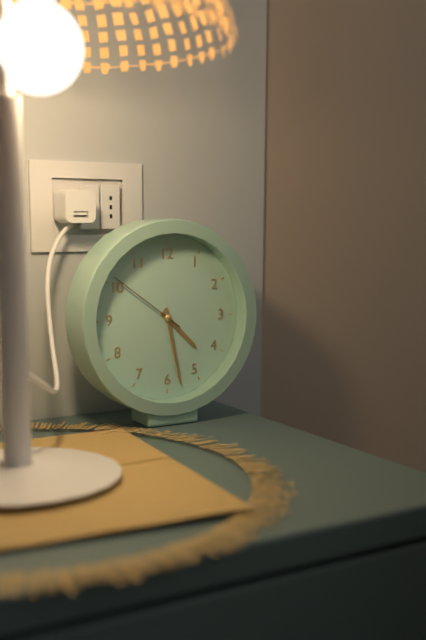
{"hour": 4, "minute": 28, "second": 51}
